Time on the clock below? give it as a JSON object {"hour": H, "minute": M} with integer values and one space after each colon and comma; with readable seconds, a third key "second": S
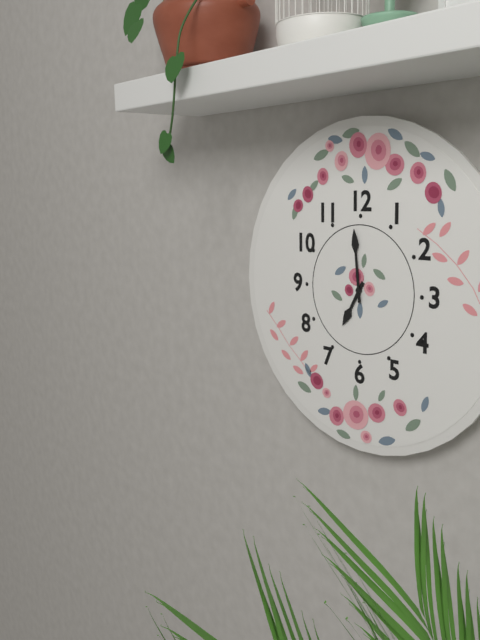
{"hour": 6, "minute": 59}
